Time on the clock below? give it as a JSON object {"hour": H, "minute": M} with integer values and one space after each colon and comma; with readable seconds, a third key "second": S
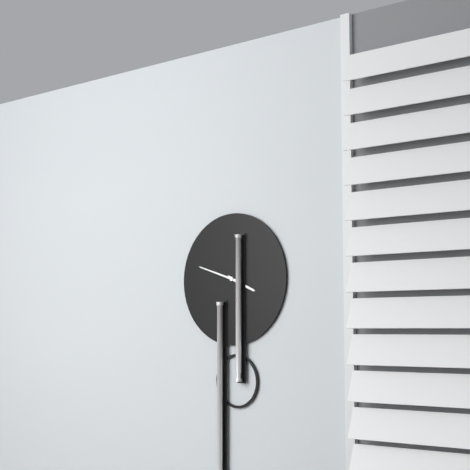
{"hour": 3, "minute": 48}
